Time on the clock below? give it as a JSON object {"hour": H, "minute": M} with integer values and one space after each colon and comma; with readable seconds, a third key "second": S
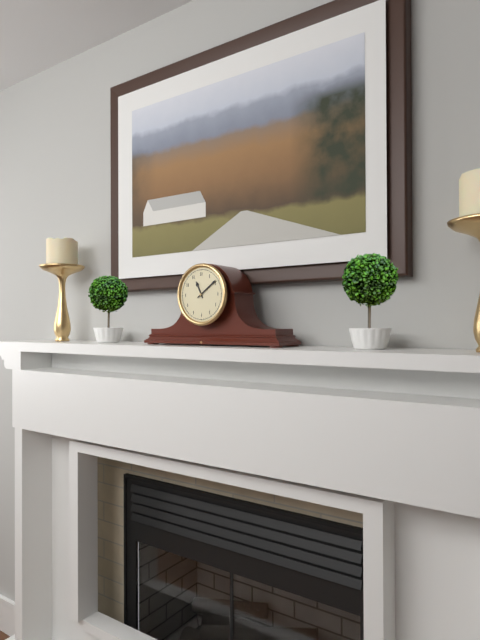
{"hour": 11, "minute": 9}
